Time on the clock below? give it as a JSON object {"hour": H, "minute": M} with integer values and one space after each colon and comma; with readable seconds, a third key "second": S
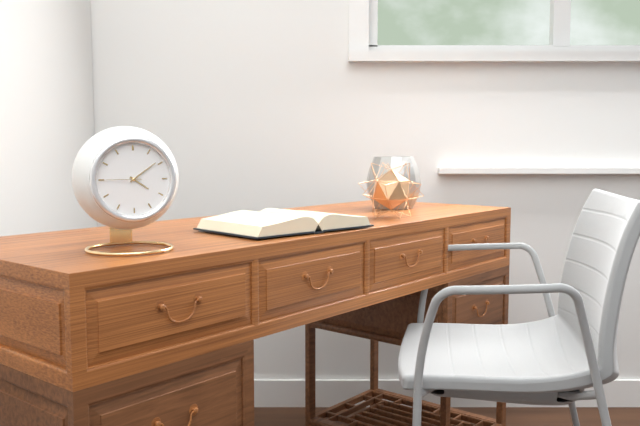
{"hour": 4, "minute": 9}
